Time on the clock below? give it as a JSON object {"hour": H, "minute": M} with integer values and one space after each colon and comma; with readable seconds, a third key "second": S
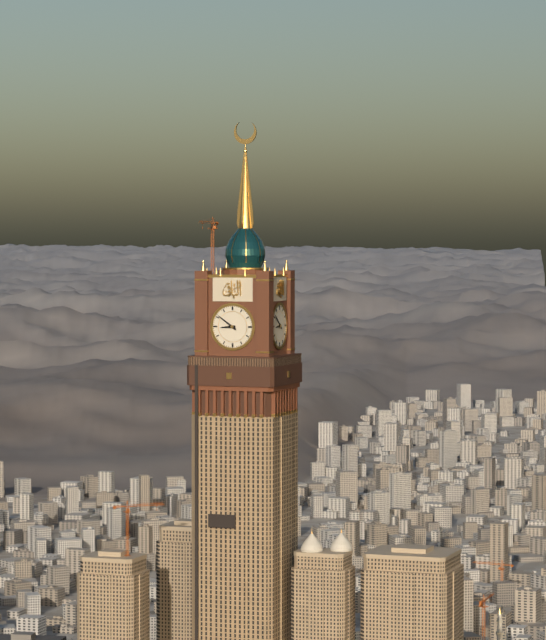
{"hour": 8, "minute": 51}
